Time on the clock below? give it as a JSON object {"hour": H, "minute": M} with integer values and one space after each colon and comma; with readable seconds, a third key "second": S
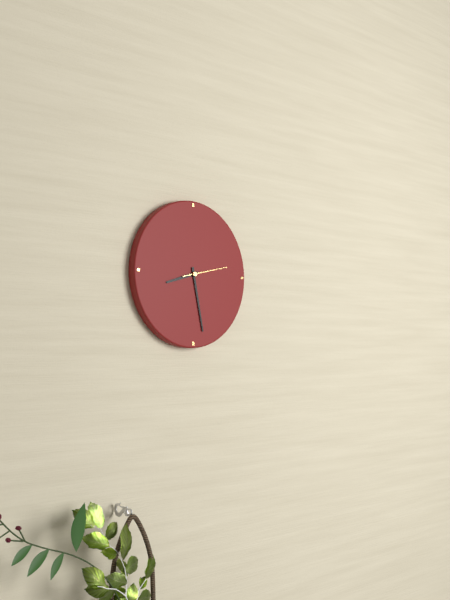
{"hour": 8, "minute": 28}
